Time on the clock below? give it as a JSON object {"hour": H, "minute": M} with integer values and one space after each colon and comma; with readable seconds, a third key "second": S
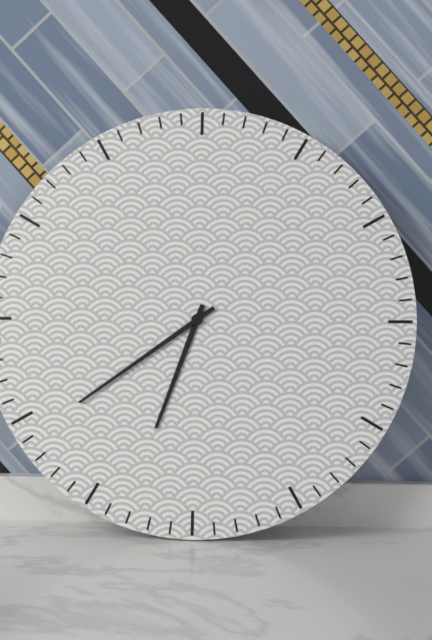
{"hour": 6, "minute": 39}
